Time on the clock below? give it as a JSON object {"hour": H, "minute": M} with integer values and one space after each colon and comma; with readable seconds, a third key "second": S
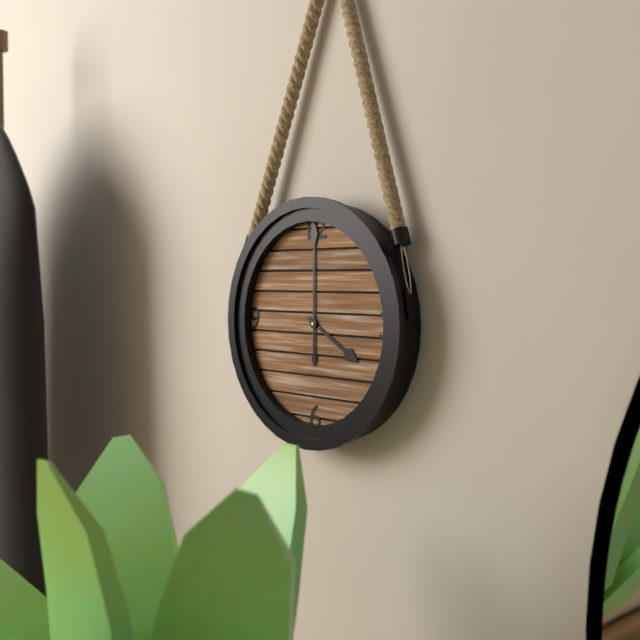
{"hour": 4, "minute": 0}
